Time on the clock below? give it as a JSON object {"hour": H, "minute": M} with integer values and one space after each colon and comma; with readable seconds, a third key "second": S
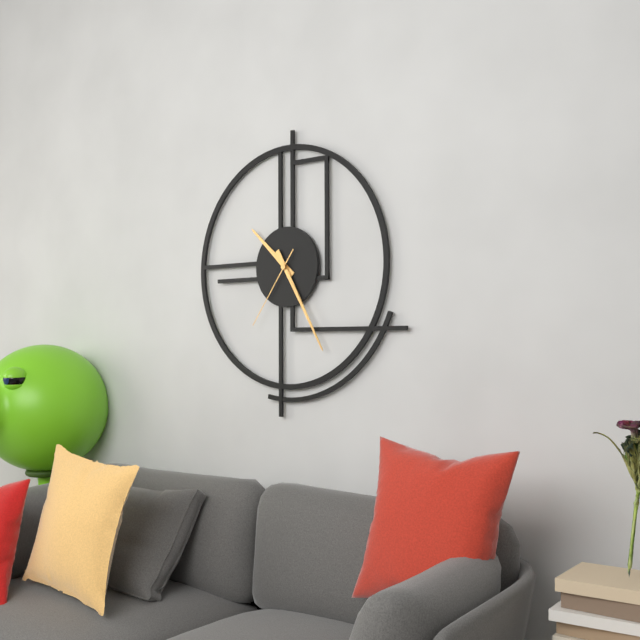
{"hour": 10, "minute": 25, "second": 36}
